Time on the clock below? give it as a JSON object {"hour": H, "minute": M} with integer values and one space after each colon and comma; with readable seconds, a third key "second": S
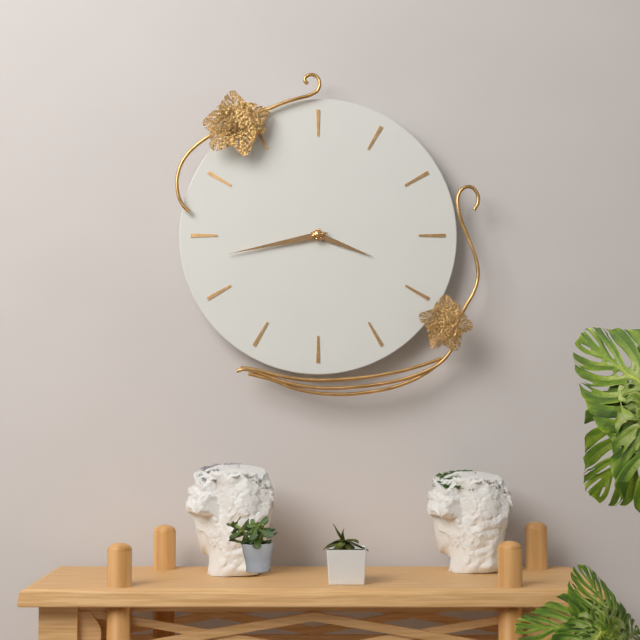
{"hour": 3, "minute": 43}
